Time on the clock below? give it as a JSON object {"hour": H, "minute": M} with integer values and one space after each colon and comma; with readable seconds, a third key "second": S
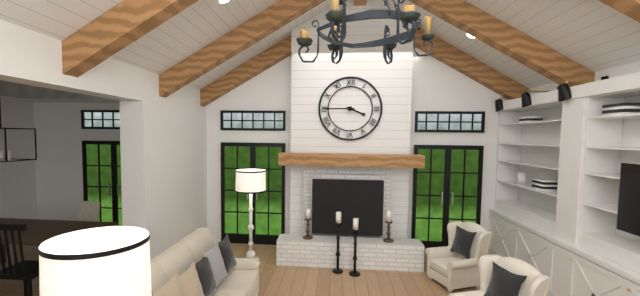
{"hour": 3, "minute": 45}
